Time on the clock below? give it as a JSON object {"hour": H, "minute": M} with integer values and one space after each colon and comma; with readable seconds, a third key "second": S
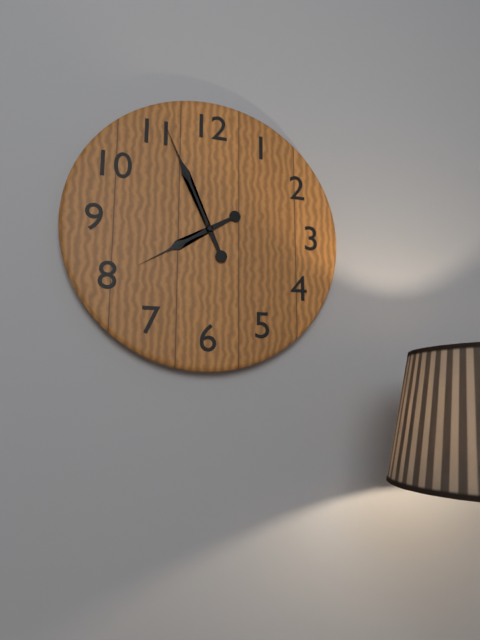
{"hour": 7, "minute": 56}
